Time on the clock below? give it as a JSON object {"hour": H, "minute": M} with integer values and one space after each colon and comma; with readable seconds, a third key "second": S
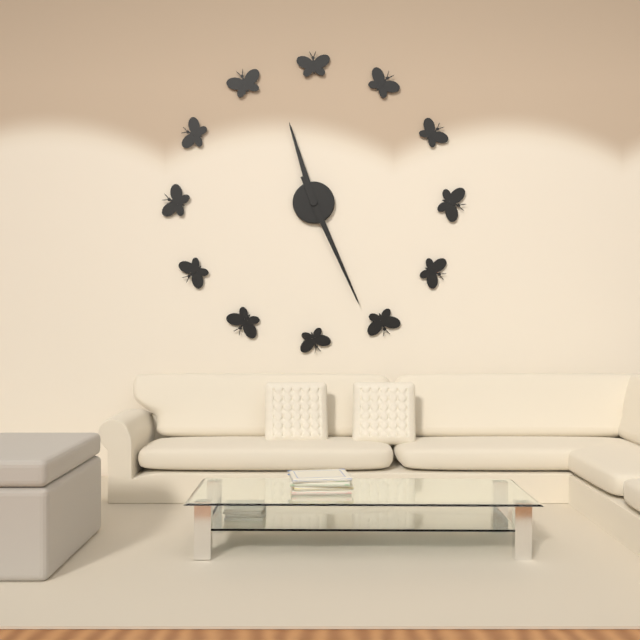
{"hour": 11, "minute": 26}
